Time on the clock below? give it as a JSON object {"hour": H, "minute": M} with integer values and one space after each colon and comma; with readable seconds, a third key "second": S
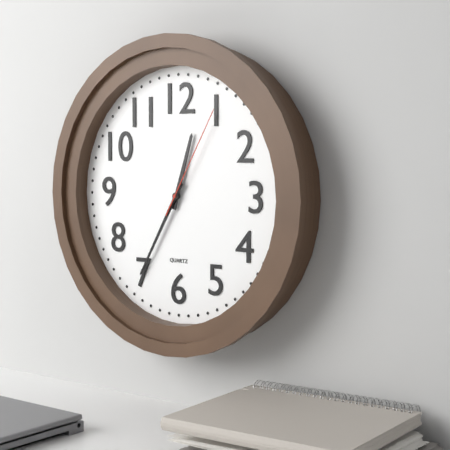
{"hour": 12, "minute": 35, "second": 5}
